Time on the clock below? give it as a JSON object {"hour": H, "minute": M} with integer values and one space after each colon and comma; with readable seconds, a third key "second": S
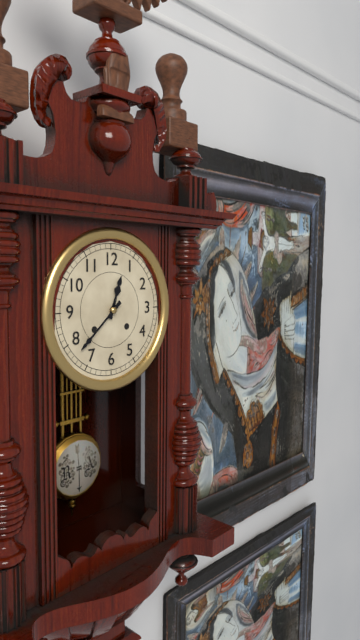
{"hour": 12, "minute": 38}
